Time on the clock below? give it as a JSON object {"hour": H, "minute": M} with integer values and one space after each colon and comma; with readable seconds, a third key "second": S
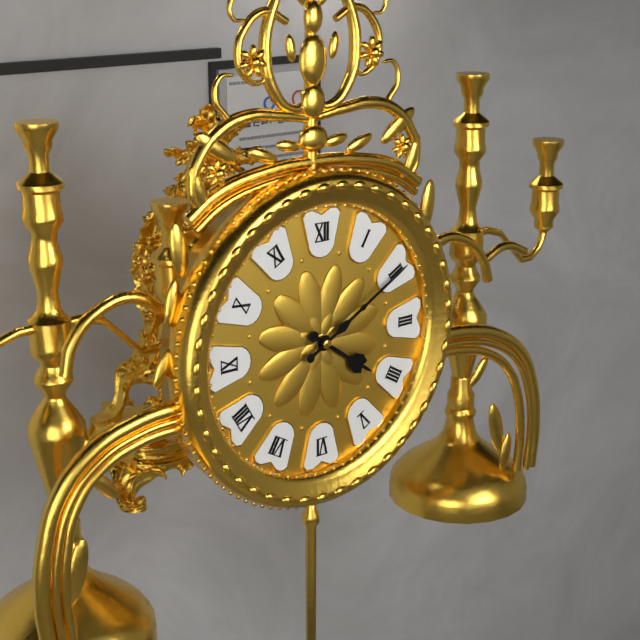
{"hour": 4, "minute": 10}
